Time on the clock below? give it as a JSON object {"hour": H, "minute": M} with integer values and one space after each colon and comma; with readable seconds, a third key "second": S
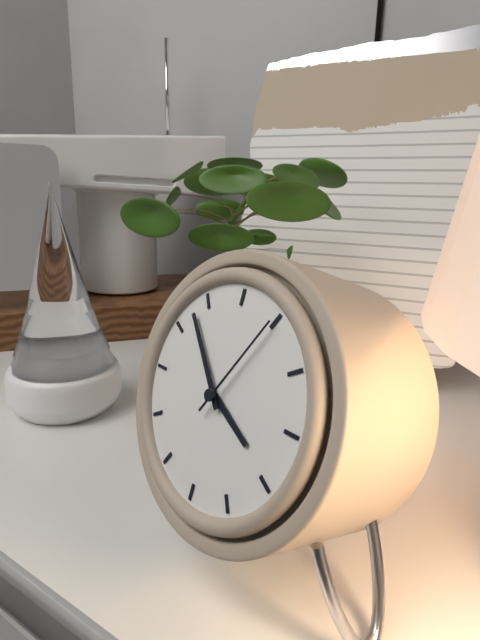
{"hour": 3, "minute": 53, "second": 5}
